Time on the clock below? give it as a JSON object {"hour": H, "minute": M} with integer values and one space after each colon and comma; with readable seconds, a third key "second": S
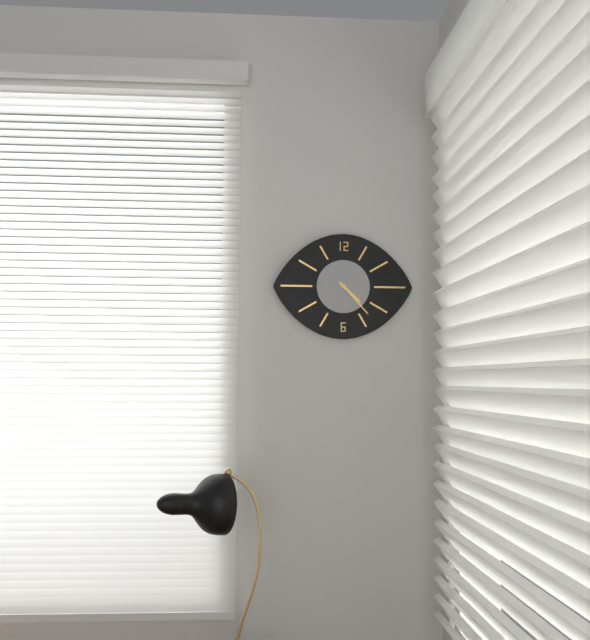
{"hour": 4, "minute": 23}
